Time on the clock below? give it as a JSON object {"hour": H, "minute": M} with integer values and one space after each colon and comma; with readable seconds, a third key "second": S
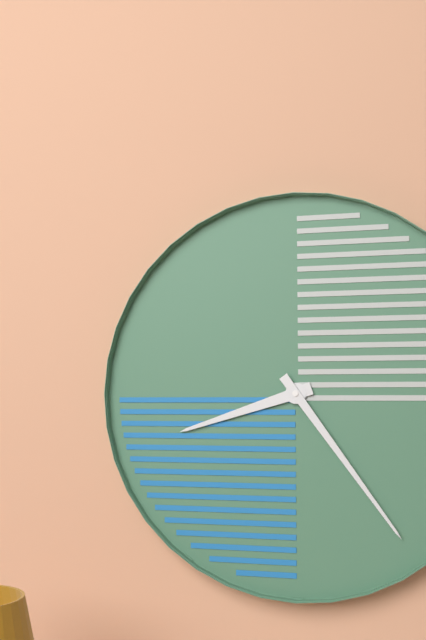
{"hour": 8, "minute": 24}
